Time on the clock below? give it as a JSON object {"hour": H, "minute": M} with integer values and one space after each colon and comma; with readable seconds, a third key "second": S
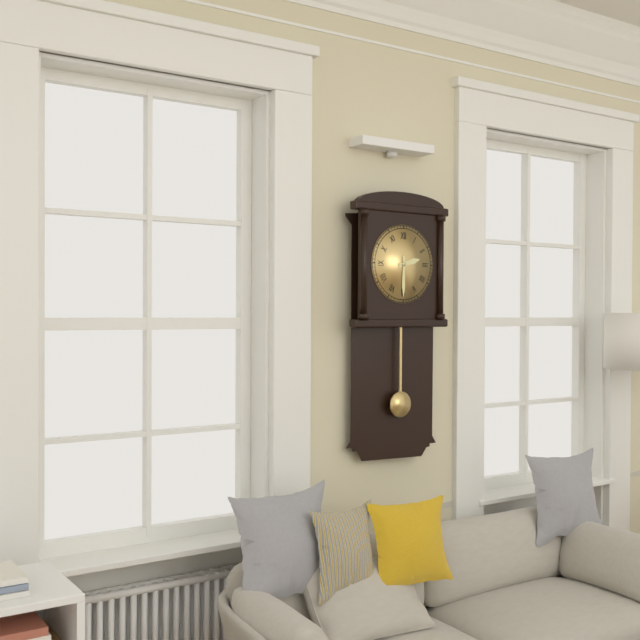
{"hour": 2, "minute": 30}
